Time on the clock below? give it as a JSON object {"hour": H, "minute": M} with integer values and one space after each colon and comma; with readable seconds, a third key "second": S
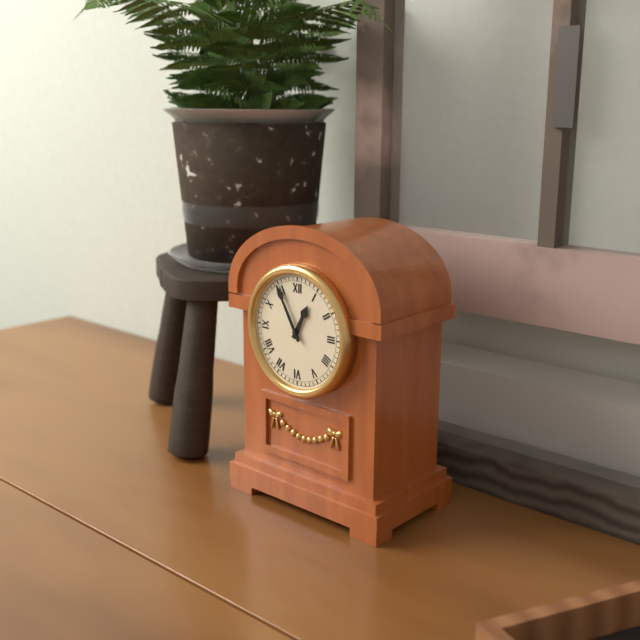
{"hour": 12, "minute": 55}
